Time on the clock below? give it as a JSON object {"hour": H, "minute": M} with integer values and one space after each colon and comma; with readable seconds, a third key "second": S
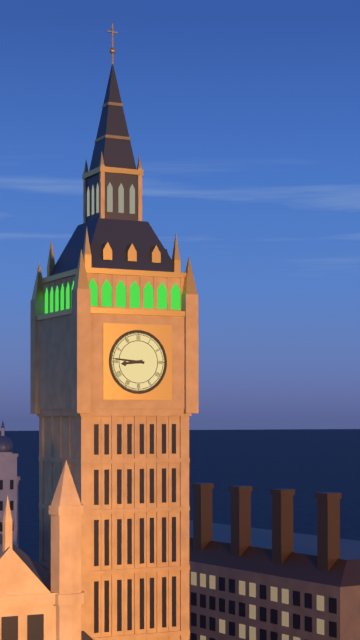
{"hour": 8, "minute": 46}
